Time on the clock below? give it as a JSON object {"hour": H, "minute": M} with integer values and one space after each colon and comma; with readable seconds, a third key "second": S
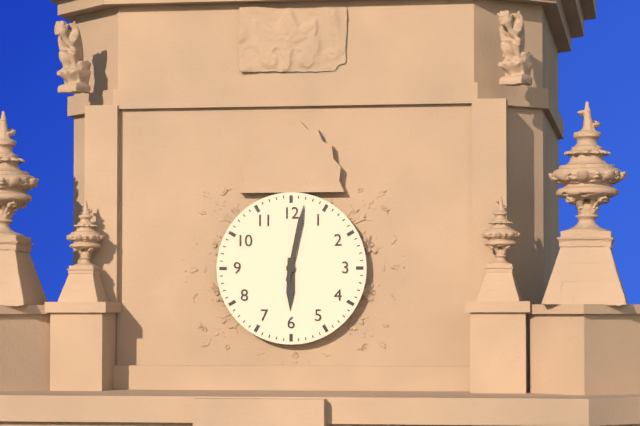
{"hour": 6, "minute": 2}
